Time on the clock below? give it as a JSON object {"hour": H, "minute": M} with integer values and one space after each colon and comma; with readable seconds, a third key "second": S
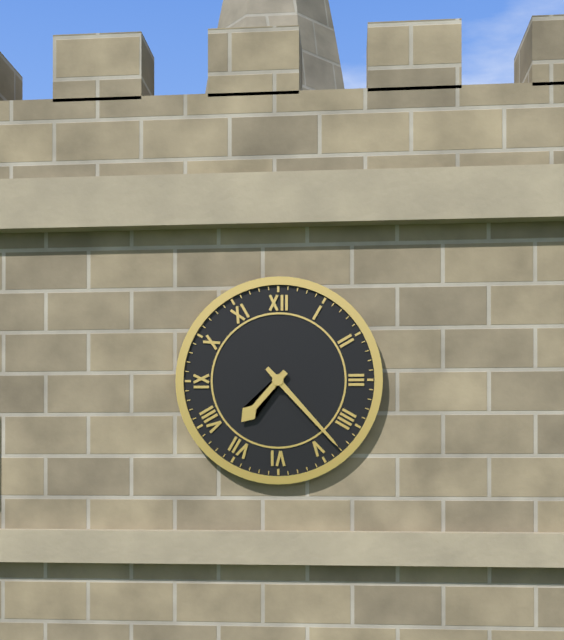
{"hour": 7, "minute": 23}
